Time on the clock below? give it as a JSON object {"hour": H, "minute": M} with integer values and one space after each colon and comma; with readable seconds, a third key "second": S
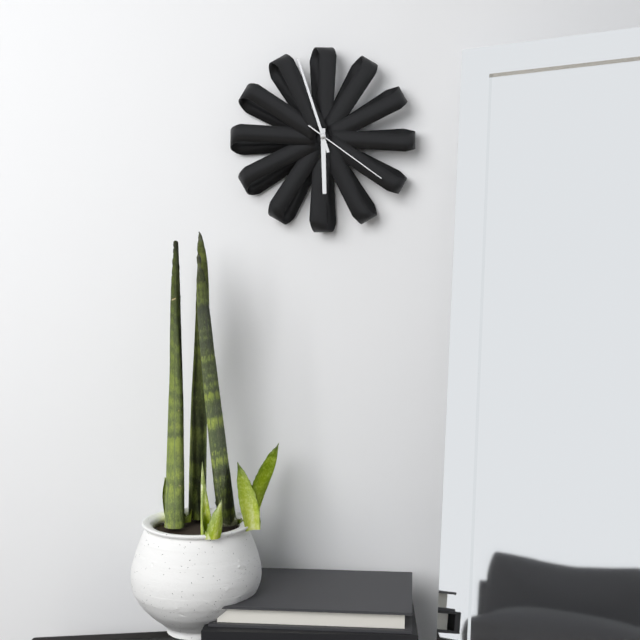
{"hour": 5, "minute": 57, "second": 21}
